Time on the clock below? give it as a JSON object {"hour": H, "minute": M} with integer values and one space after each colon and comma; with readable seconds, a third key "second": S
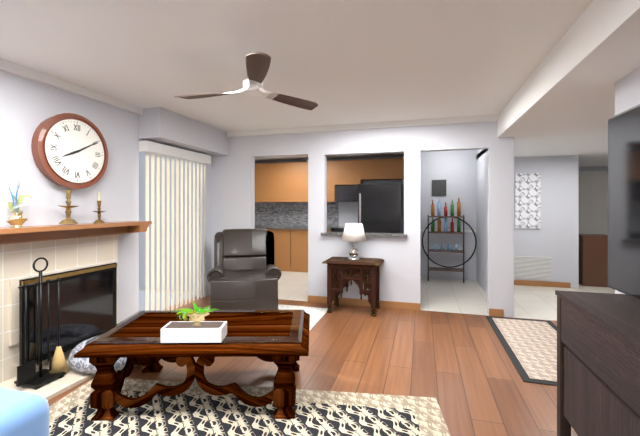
{"hour": 8, "minute": 10}
